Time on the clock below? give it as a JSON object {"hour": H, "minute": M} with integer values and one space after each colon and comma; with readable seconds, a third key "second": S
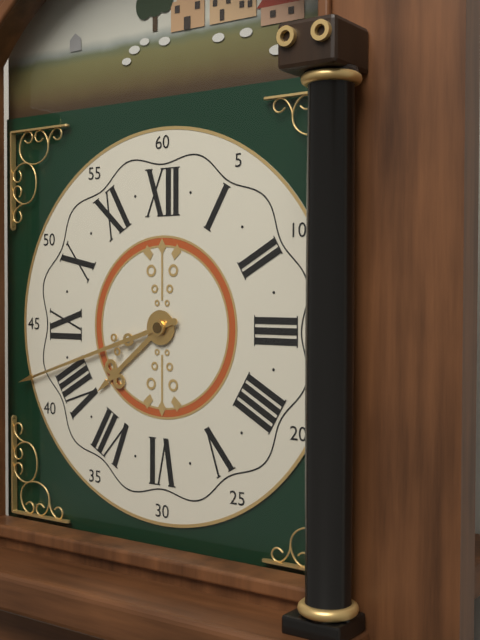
{"hour": 7, "minute": 42}
